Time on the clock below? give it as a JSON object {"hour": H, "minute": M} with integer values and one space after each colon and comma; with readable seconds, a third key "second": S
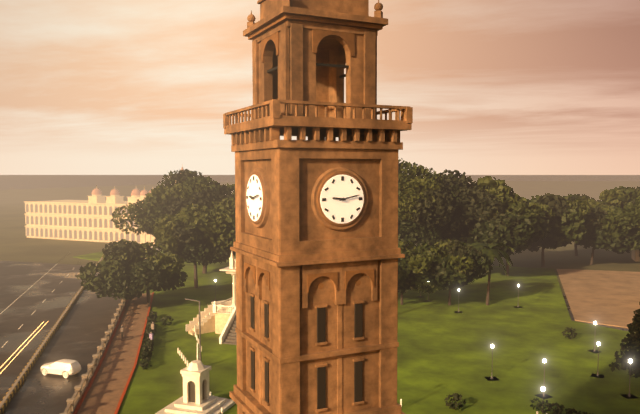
{"hour": 9, "minute": 13}
